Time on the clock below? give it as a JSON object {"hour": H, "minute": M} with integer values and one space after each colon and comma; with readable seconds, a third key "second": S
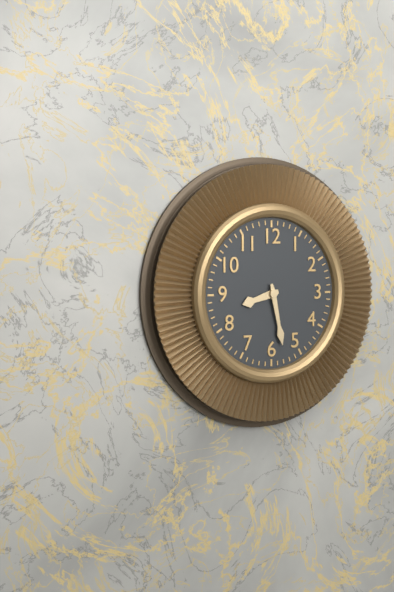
{"hour": 8, "minute": 28}
